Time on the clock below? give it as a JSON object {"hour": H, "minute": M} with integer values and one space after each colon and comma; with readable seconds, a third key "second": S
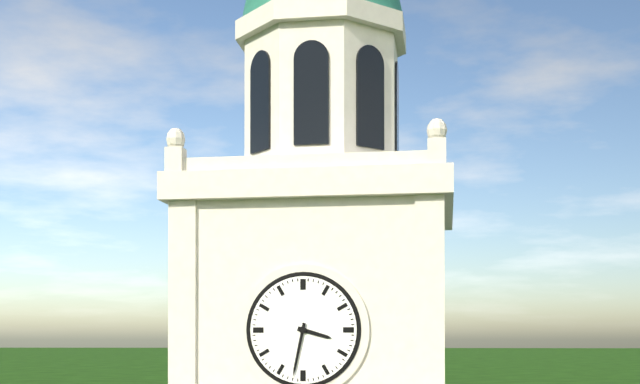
{"hour": 3, "minute": 32}
